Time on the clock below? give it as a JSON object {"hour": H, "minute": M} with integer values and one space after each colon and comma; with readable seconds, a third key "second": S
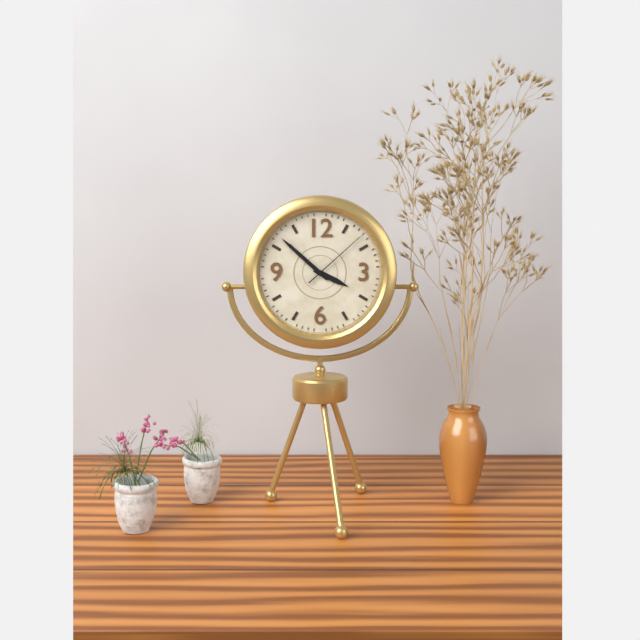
{"hour": 3, "minute": 52, "second": 8}
